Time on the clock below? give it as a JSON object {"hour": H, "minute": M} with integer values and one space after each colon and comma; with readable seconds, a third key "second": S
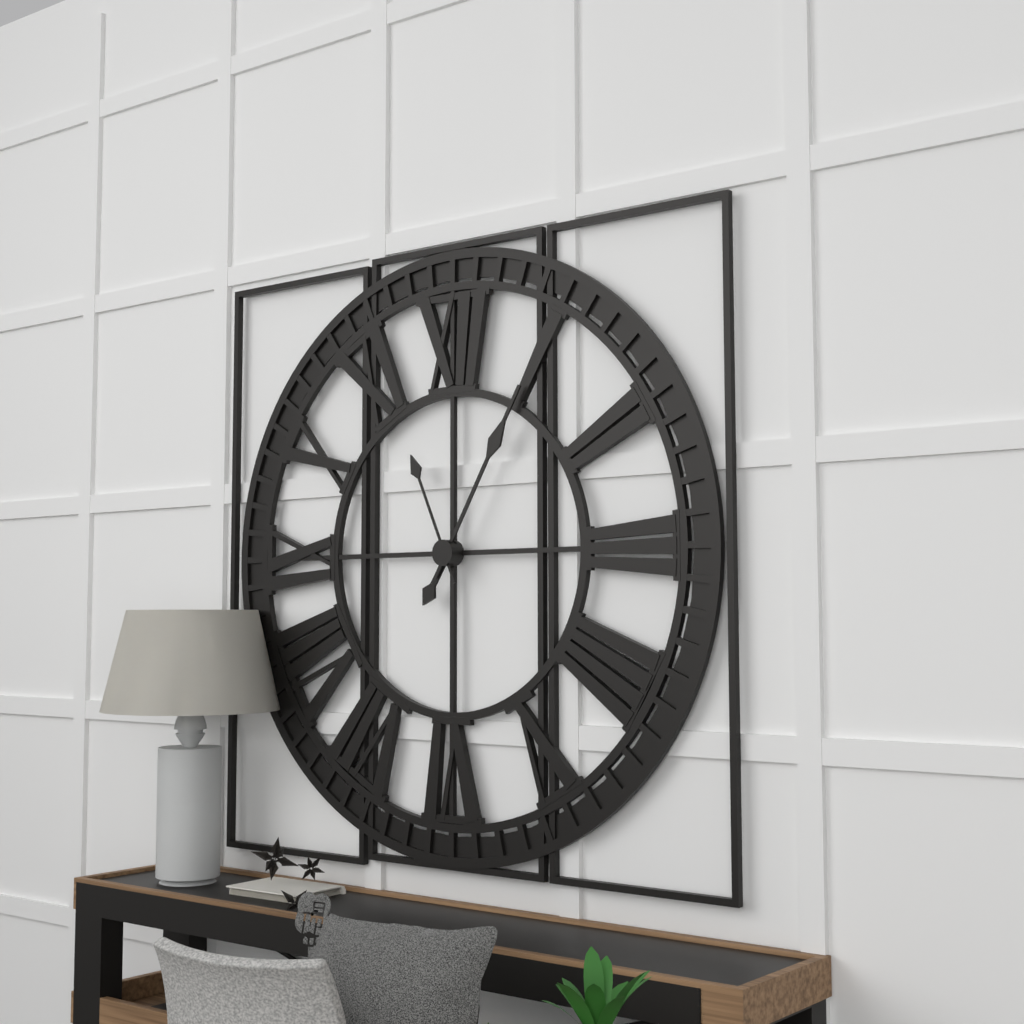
{"hour": 7, "minute": 5, "second": 56}
